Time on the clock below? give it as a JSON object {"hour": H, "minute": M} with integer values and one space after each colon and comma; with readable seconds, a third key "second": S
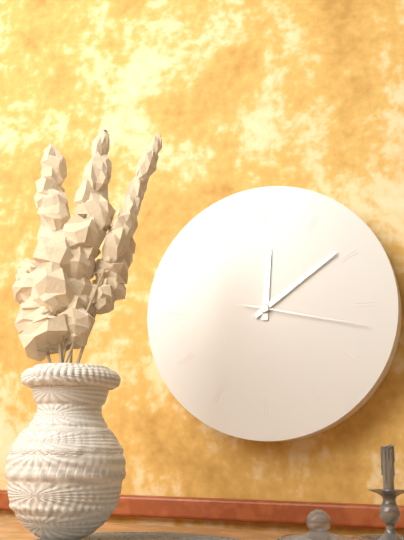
{"hour": 12, "minute": 9, "second": 17}
